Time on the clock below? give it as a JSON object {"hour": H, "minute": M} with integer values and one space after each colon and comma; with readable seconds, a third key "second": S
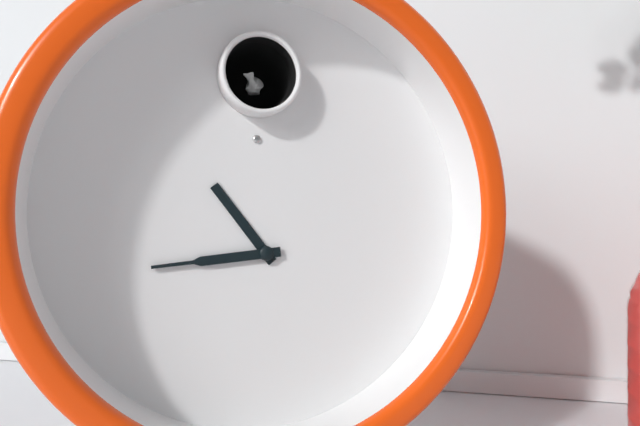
{"hour": 10, "minute": 44}
